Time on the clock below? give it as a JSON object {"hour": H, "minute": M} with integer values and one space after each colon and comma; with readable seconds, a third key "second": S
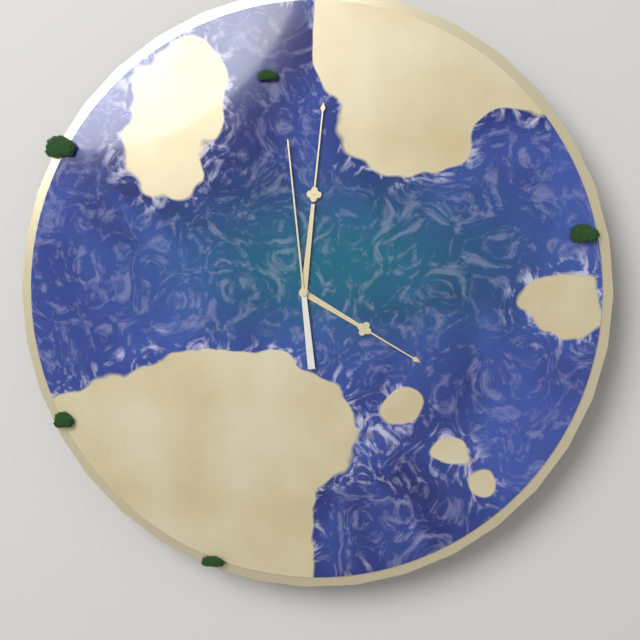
{"hour": 4, "minute": 1, "second": 59}
